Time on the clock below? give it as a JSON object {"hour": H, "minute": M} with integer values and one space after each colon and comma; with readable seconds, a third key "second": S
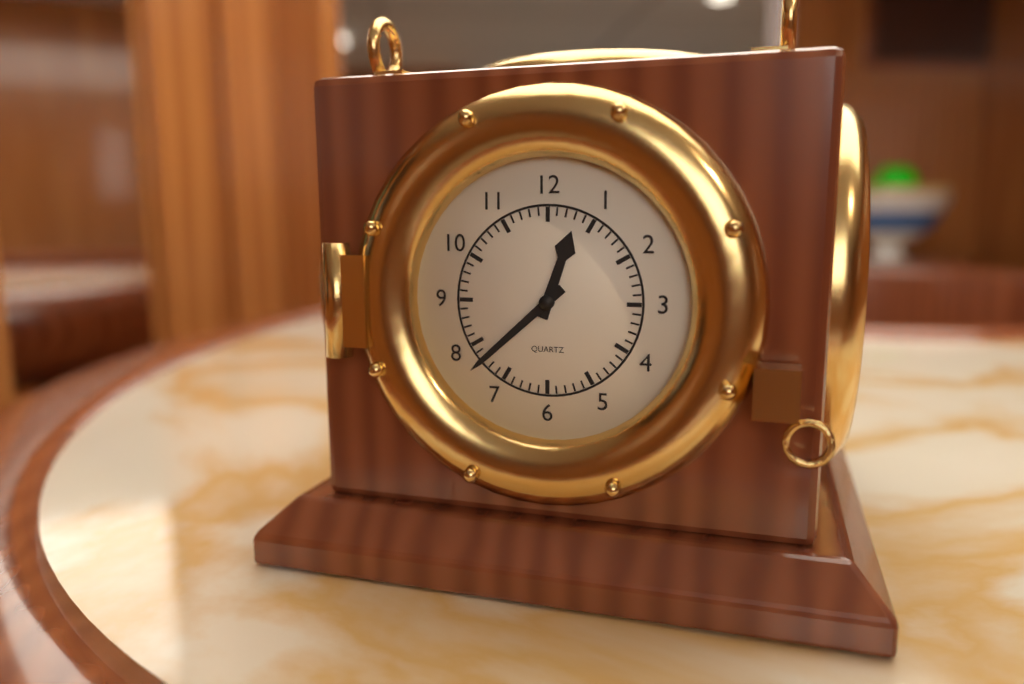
{"hour": 12, "minute": 38}
